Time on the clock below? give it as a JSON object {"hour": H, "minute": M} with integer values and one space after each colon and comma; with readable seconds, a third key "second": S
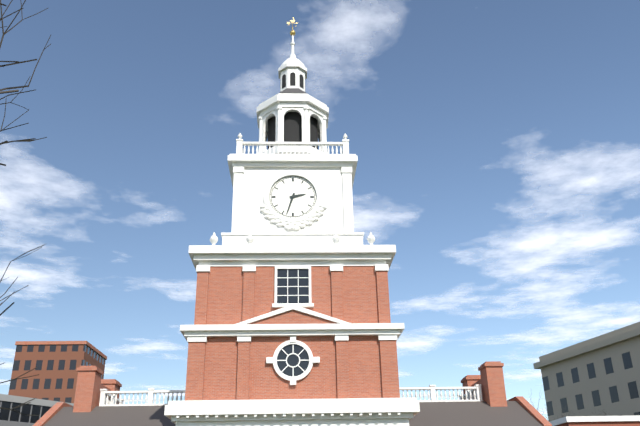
{"hour": 2, "minute": 33}
